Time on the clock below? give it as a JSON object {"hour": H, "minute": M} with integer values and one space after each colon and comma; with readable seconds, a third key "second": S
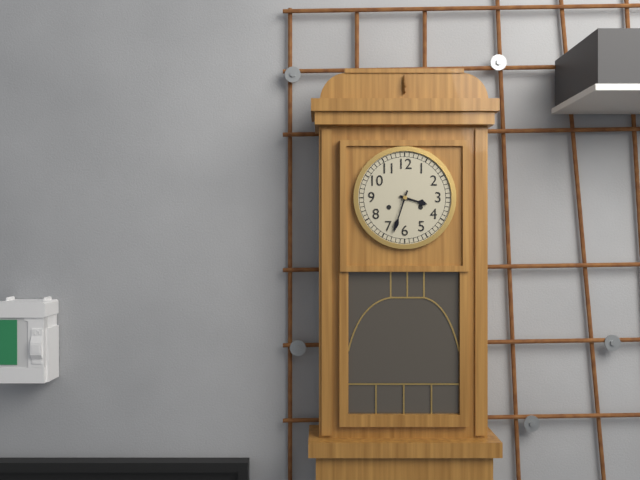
{"hour": 3, "minute": 33}
